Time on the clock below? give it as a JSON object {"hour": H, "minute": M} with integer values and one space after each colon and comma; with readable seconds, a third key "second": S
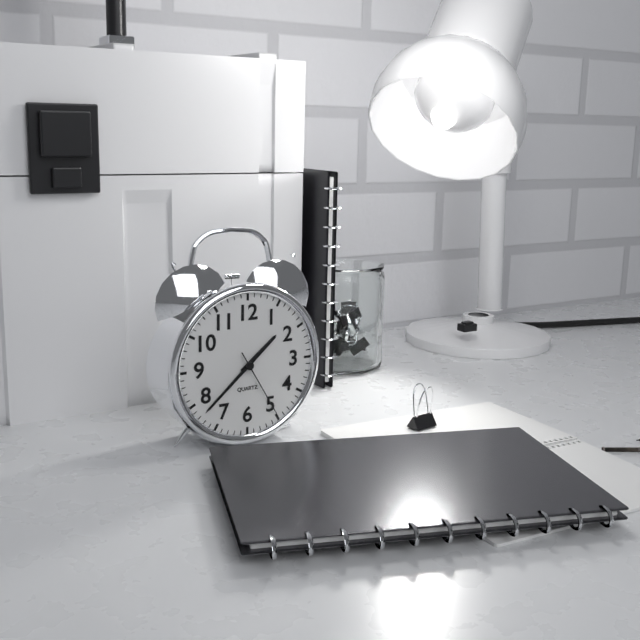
{"hour": 1, "minute": 38, "second": 25}
